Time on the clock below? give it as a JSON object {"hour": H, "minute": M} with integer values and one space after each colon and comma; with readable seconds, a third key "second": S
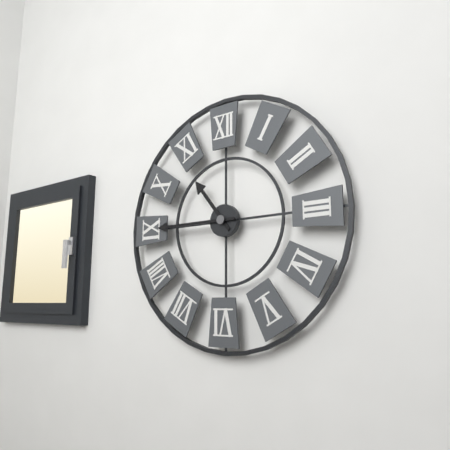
{"hour": 10, "minute": 45}
